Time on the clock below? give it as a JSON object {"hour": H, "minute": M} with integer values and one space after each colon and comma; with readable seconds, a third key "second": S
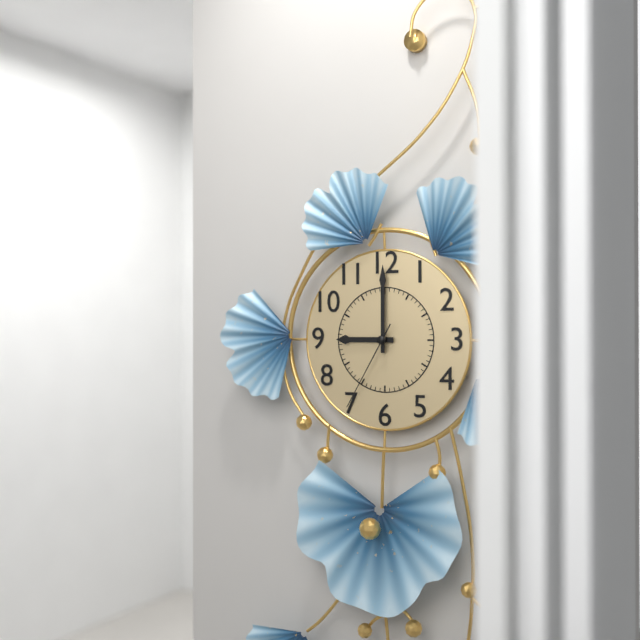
{"hour": 9, "minute": 0, "second": 35}
